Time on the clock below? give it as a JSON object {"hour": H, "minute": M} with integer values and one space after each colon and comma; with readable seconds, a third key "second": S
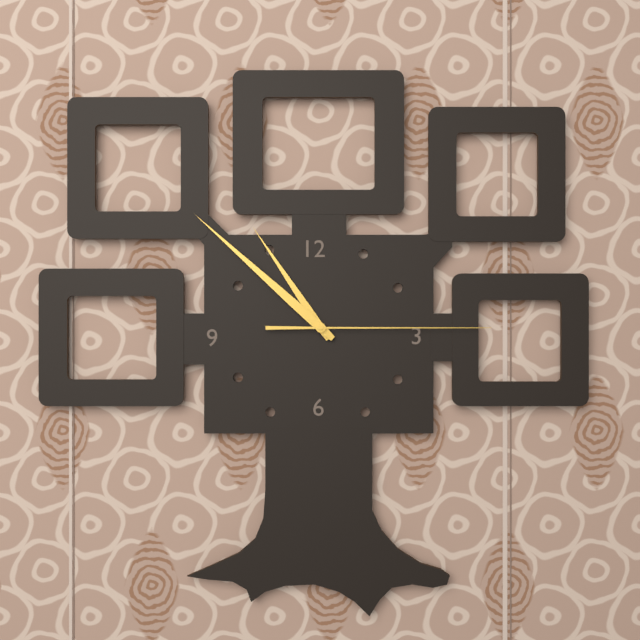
{"hour": 10, "minute": 52, "second": 15}
